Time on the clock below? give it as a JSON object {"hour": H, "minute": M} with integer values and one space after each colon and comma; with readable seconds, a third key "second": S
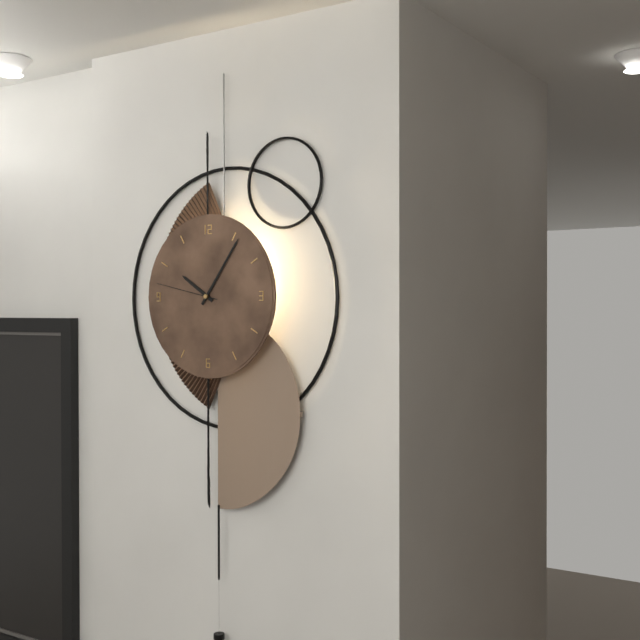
{"hour": 10, "minute": 6, "second": 47}
